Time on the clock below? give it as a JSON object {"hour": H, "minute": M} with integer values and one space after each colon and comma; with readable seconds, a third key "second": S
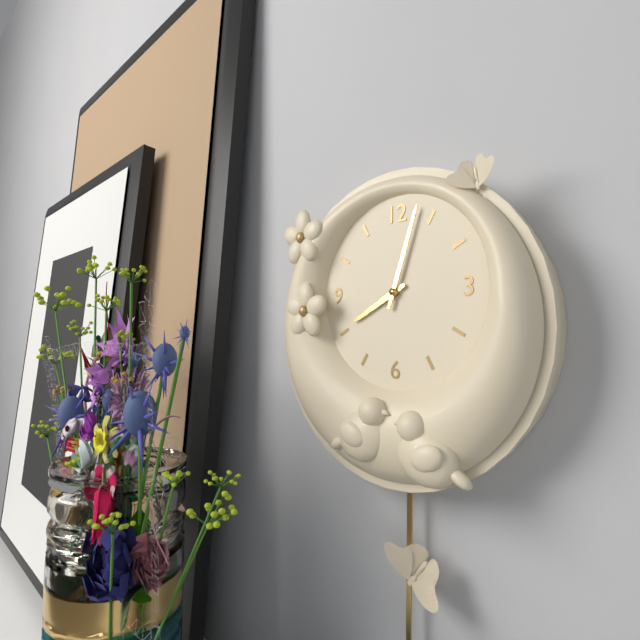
{"hour": 8, "minute": 3}
